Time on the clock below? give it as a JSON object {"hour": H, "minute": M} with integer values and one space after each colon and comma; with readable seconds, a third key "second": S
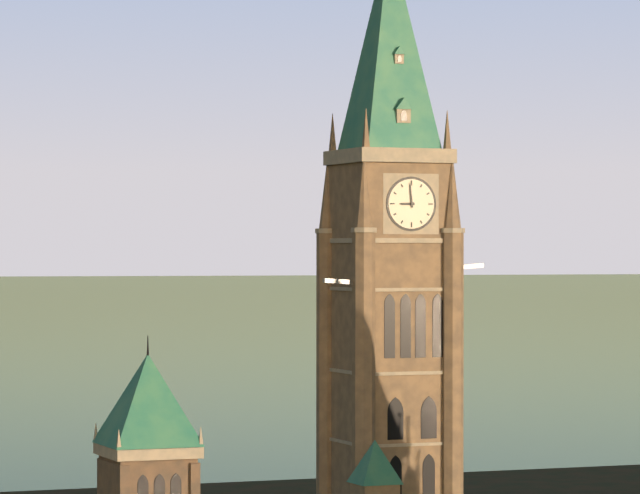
{"hour": 8, "minute": 59}
